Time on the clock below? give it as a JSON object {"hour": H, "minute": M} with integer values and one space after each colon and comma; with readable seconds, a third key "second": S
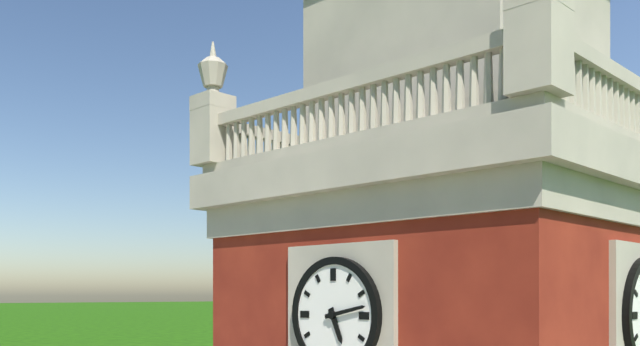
{"hour": 5, "minute": 13}
